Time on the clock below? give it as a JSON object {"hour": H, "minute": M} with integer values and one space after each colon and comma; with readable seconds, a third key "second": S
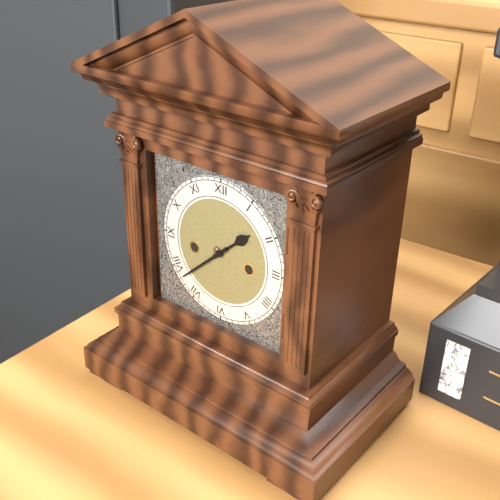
{"hour": 1, "minute": 38}
